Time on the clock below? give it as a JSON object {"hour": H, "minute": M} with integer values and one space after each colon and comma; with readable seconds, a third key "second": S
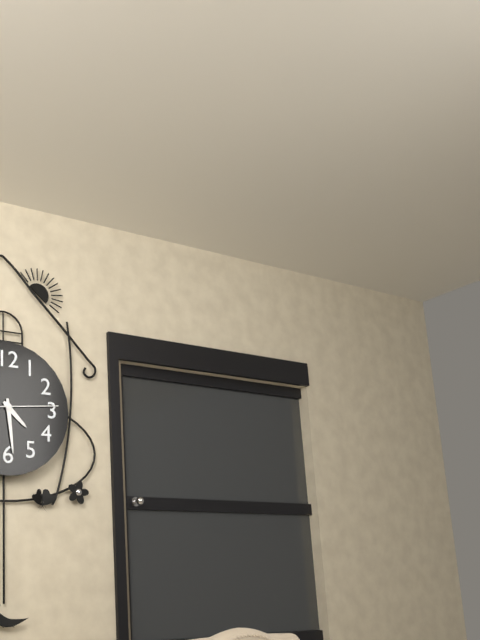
{"hour": 4, "minute": 29, "second": 14}
